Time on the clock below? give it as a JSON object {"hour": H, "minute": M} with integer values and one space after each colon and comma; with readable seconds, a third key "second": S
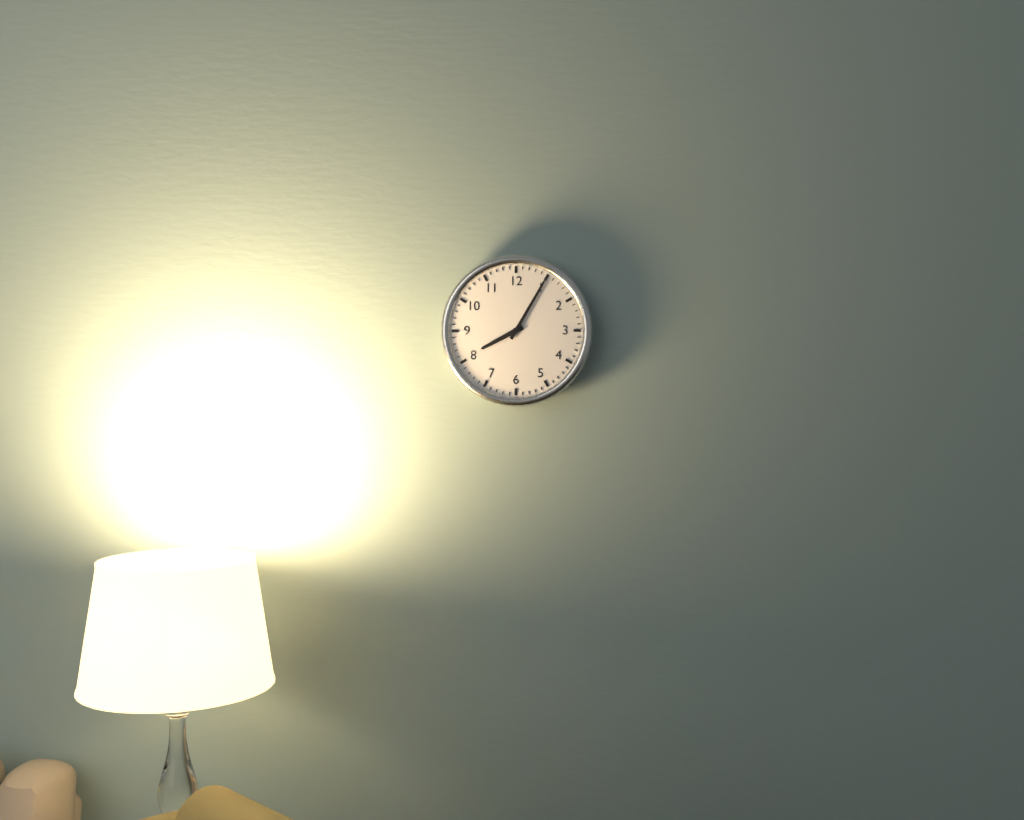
{"hour": 8, "minute": 5}
